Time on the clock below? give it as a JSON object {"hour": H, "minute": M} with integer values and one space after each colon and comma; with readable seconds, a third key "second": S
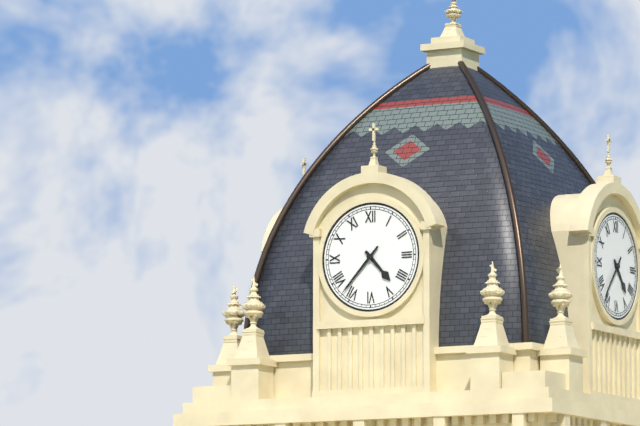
{"hour": 4, "minute": 37}
